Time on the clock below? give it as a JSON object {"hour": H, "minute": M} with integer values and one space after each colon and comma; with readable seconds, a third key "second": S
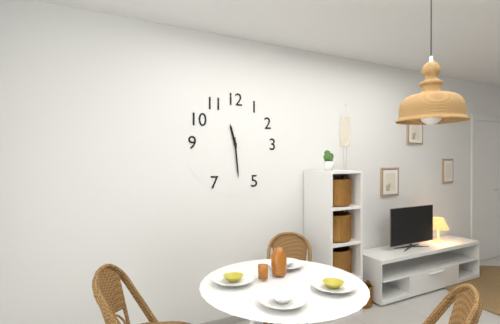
{"hour": 11, "minute": 29}
